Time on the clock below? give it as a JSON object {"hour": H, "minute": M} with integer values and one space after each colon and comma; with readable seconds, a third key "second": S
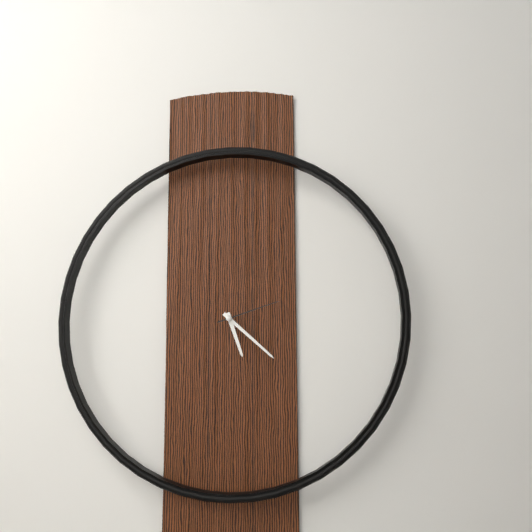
{"hour": 5, "minute": 22, "second": 12}
